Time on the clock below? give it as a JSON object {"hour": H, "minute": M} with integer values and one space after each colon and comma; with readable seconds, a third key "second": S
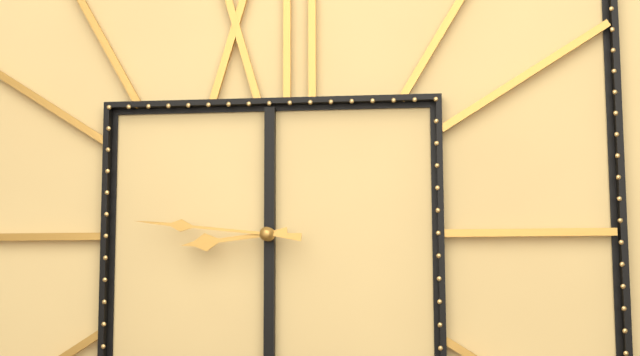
{"hour": 8, "minute": 46}
